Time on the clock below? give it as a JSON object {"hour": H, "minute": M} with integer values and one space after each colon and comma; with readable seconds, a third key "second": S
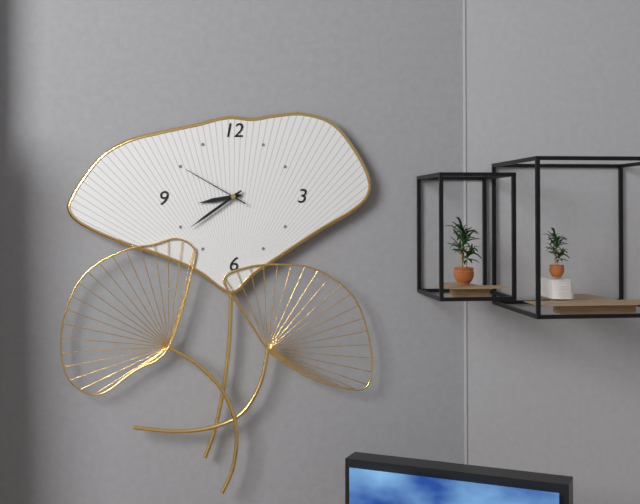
{"hour": 8, "minute": 39, "second": 50}
